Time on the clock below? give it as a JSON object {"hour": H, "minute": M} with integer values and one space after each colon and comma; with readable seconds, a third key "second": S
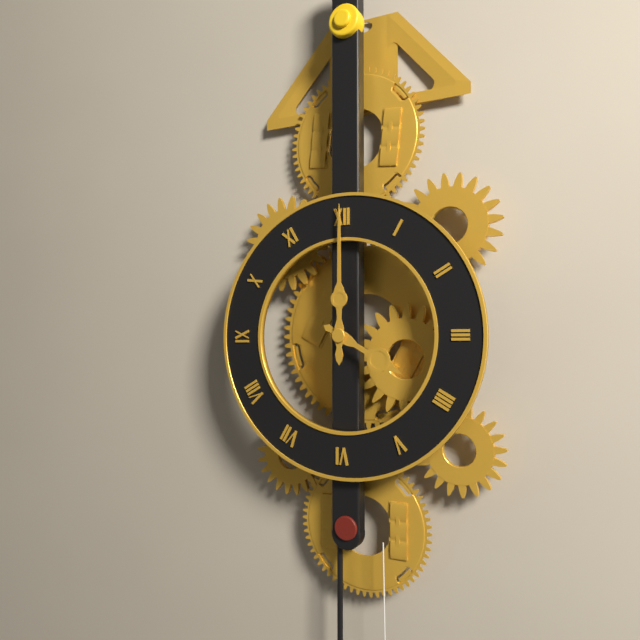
{"hour": 4, "minute": 0}
